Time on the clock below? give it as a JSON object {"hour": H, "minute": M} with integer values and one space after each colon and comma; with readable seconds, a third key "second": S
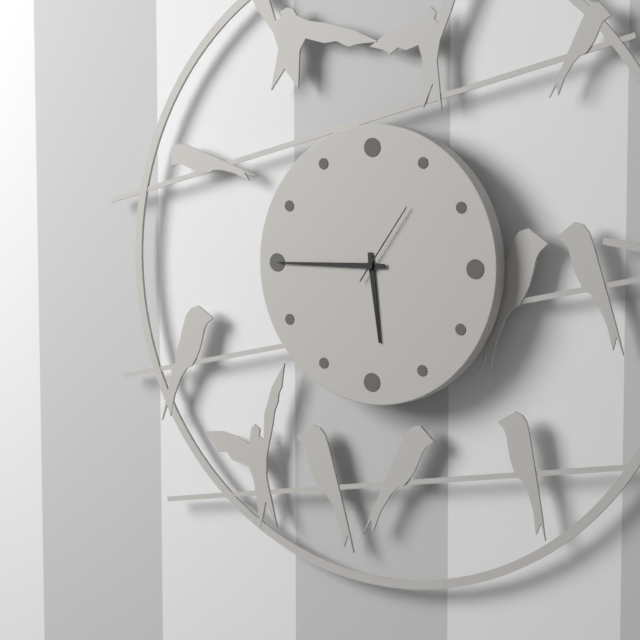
{"hour": 5, "minute": 45, "second": 6}
